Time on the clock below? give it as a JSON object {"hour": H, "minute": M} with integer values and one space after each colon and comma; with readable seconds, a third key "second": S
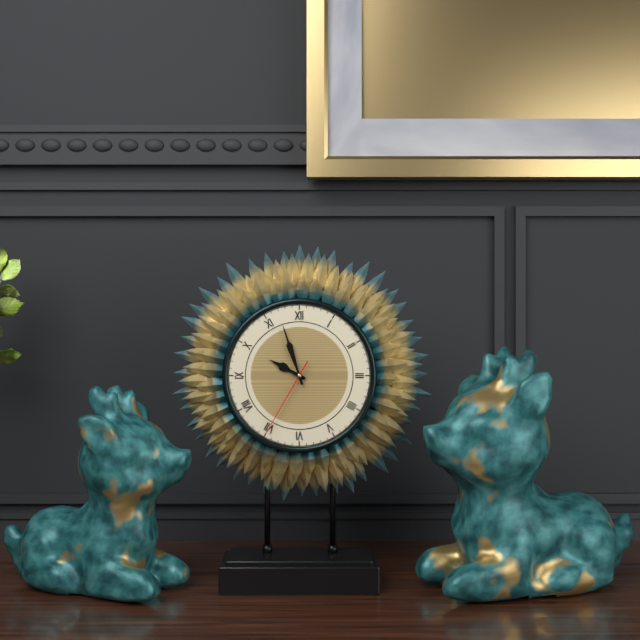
{"hour": 9, "minute": 57, "second": 35}
